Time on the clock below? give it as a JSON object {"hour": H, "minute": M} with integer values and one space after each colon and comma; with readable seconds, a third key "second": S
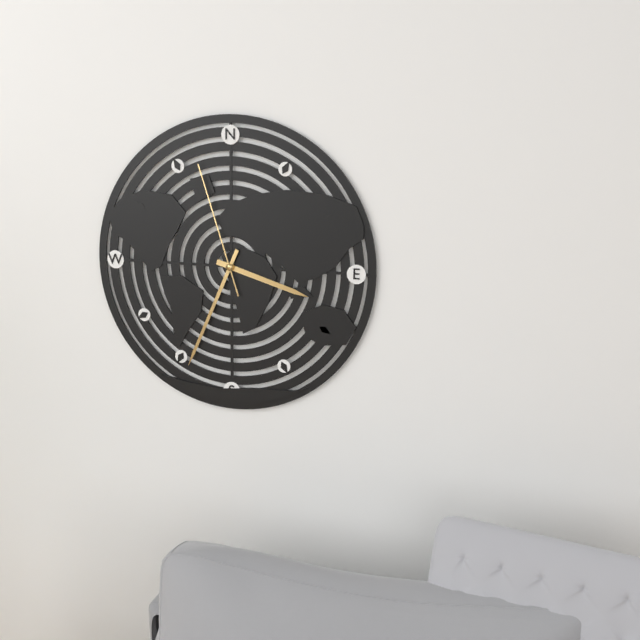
{"hour": 3, "minute": 34, "second": 57}
